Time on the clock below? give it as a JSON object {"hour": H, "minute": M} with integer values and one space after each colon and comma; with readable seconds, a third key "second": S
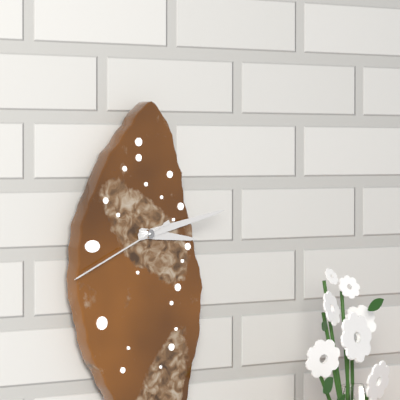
{"hour": 3, "minute": 13, "second": 41}
